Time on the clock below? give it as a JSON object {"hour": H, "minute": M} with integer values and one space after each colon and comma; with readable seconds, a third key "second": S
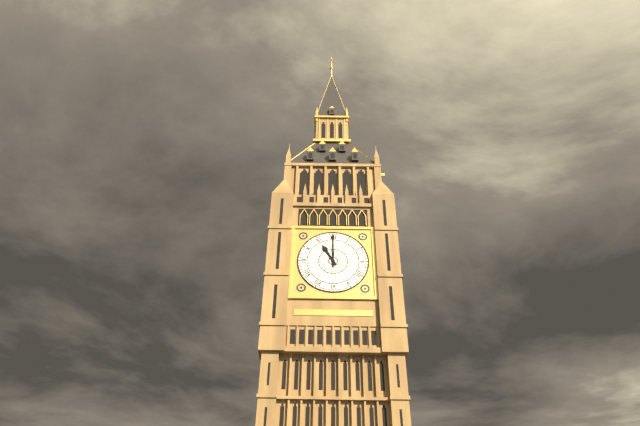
{"hour": 11, "minute": 0}
